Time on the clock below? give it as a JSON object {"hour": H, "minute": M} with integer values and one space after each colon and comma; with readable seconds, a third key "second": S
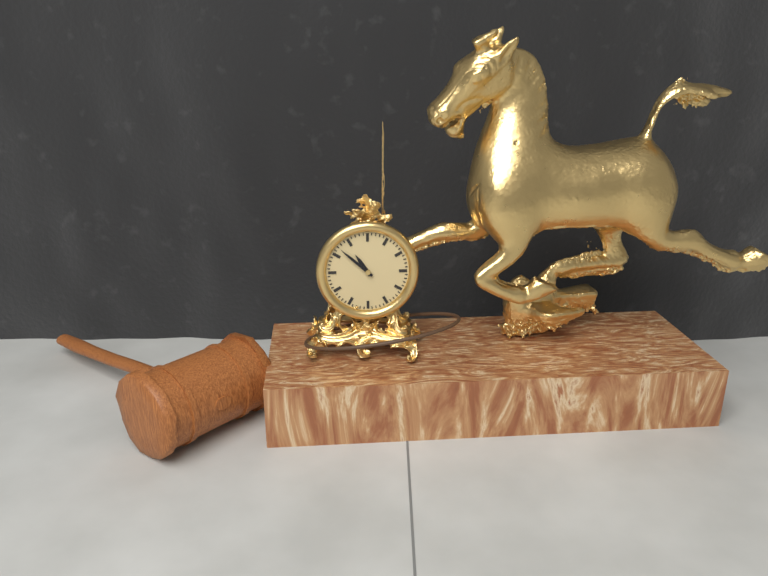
{"hour": 10, "minute": 52}
